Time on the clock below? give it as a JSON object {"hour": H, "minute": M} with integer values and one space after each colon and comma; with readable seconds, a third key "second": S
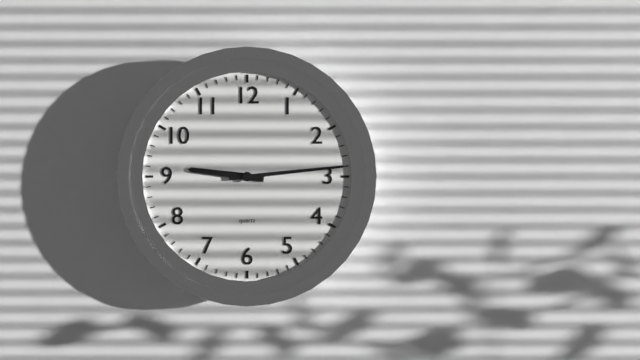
{"hour": 9, "minute": 14}
